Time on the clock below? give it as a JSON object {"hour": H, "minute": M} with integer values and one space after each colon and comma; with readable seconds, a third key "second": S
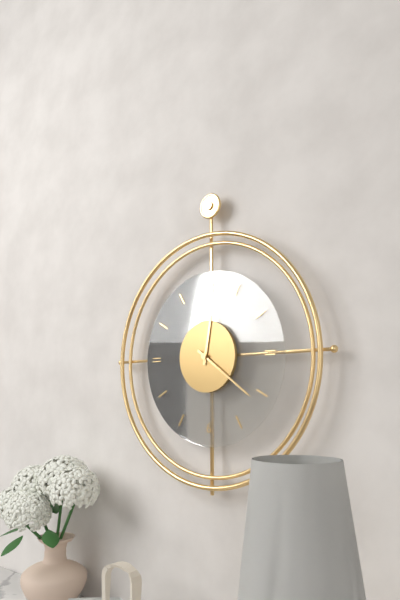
{"hour": 12, "minute": 21}
